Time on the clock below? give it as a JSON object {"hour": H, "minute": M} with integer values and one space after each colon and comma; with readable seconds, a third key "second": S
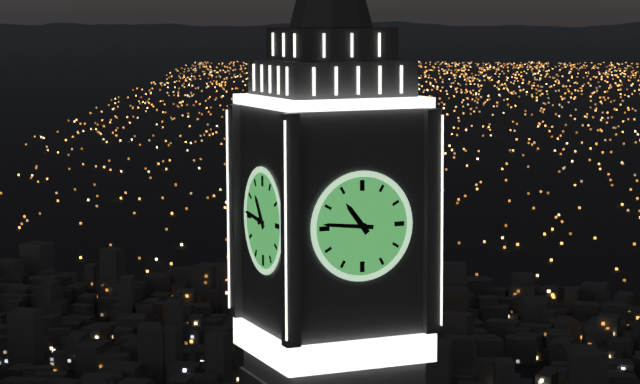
{"hour": 10, "minute": 46}
